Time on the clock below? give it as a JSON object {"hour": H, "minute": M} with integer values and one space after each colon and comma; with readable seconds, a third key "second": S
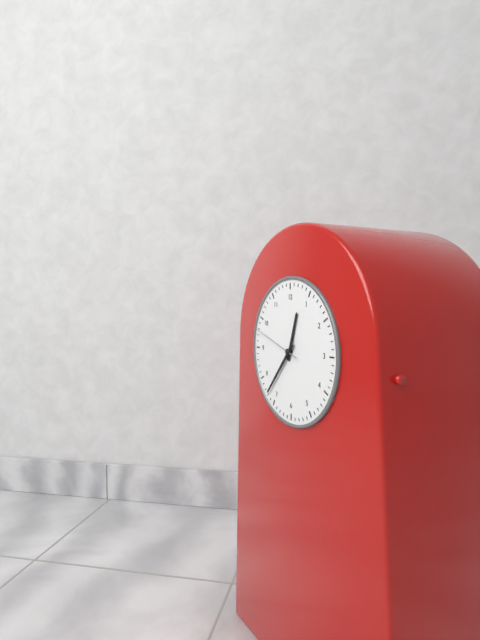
{"hour": 12, "minute": 37, "second": 48}
